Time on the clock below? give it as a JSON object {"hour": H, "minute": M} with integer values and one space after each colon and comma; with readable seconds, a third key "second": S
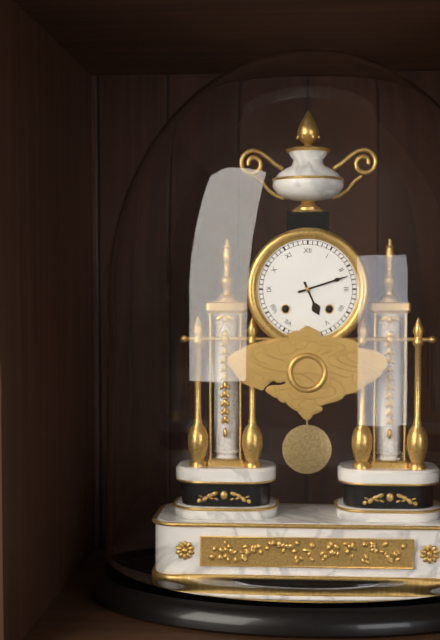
{"hour": 5, "minute": 12}
